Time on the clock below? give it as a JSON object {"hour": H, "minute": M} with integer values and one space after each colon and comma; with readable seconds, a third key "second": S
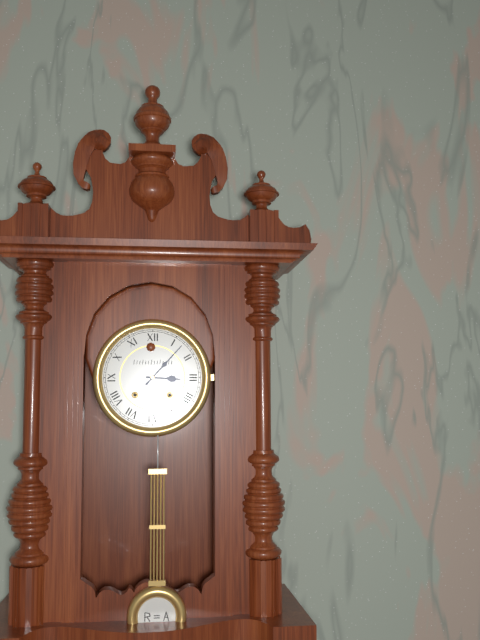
{"hour": 3, "minute": 7}
